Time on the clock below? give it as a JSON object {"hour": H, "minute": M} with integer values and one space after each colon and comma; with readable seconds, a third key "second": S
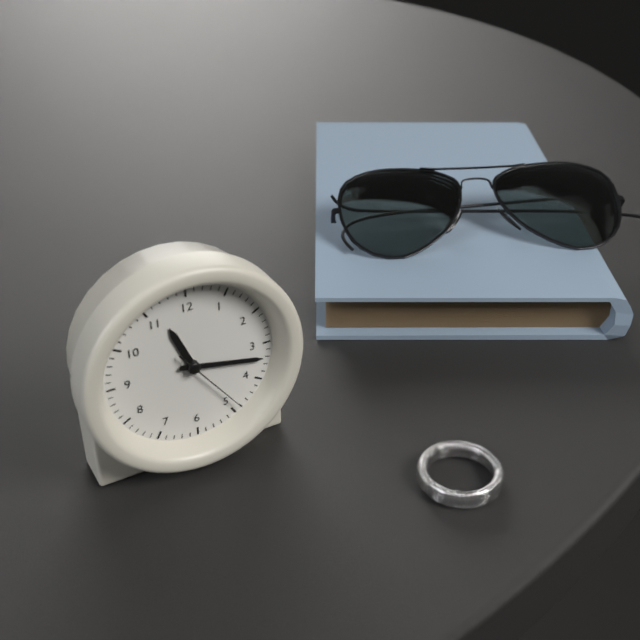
{"hour": 11, "minute": 17, "second": 24}
